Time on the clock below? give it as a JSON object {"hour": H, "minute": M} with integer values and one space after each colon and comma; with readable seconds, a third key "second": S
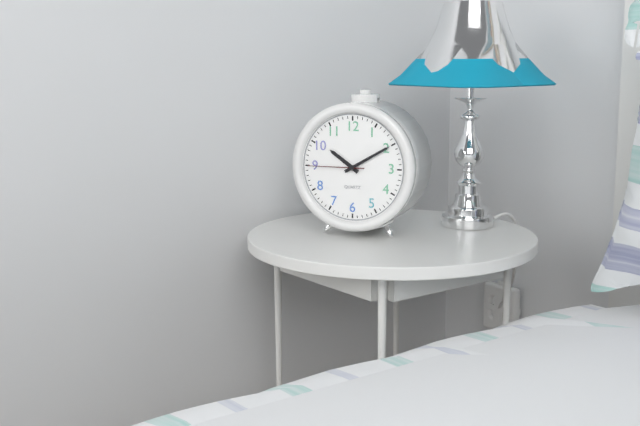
{"hour": 10, "minute": 10, "second": 45}
